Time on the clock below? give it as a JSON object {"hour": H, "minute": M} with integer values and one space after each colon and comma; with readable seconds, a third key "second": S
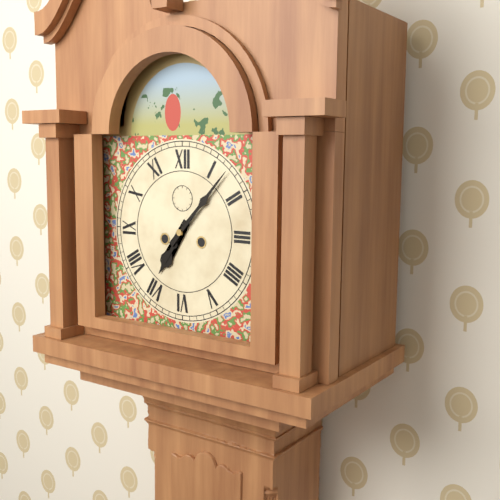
{"hour": 7, "minute": 7}
